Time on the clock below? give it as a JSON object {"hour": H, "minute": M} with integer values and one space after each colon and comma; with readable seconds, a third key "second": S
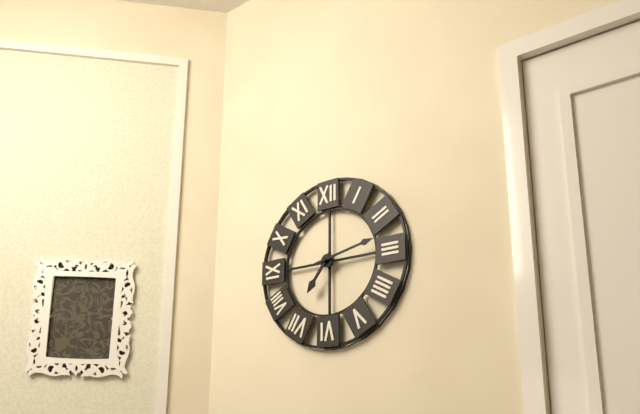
{"hour": 7, "minute": 13}
